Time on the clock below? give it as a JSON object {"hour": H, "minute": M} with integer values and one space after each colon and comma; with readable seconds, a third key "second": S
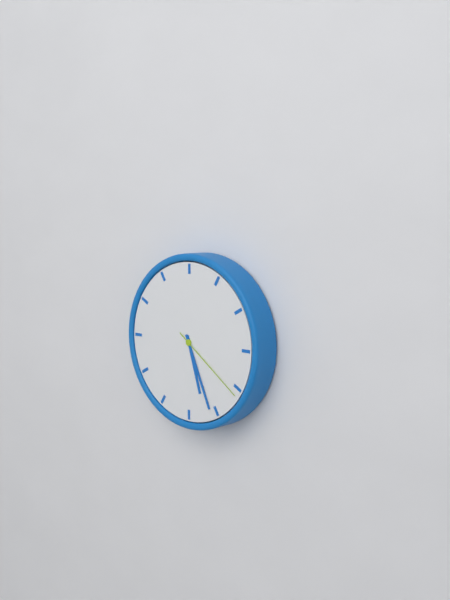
{"hour": 5, "minute": 26, "second": 21}
